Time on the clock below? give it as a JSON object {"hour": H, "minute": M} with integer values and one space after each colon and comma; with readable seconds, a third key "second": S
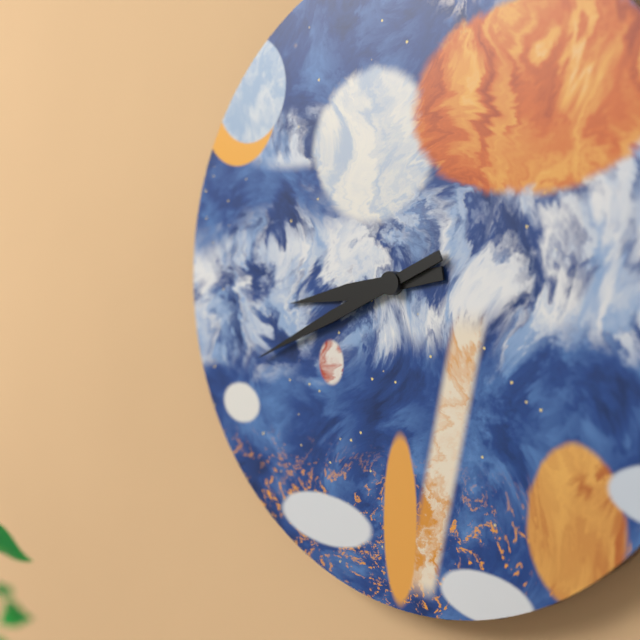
{"hour": 8, "minute": 41}
